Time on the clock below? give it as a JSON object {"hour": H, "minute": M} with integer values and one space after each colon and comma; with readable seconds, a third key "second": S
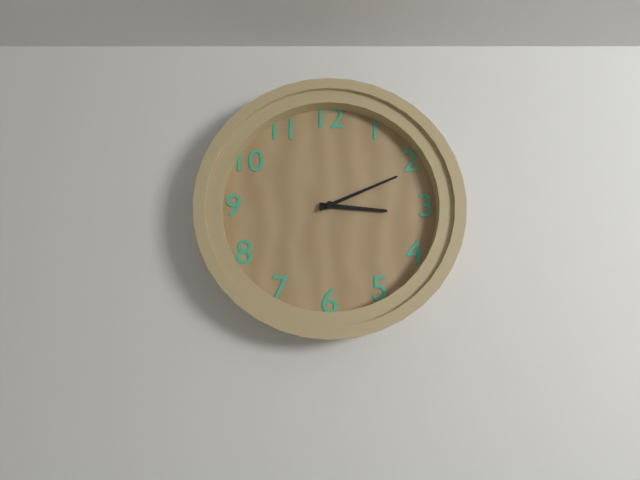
{"hour": 3, "minute": 11}
